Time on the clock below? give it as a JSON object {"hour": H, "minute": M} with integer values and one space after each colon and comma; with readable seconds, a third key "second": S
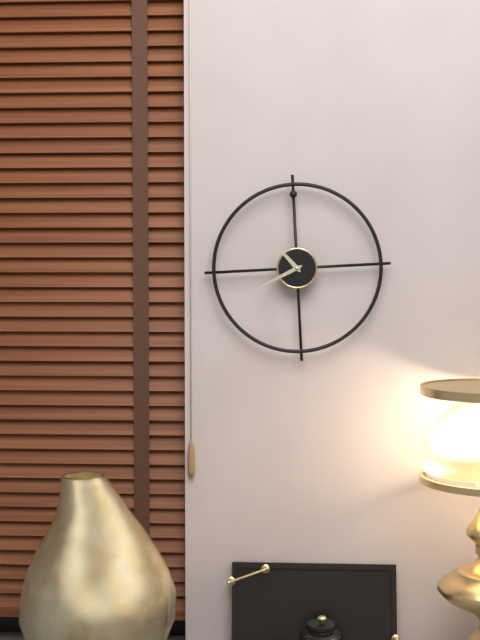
{"hour": 10, "minute": 41}
